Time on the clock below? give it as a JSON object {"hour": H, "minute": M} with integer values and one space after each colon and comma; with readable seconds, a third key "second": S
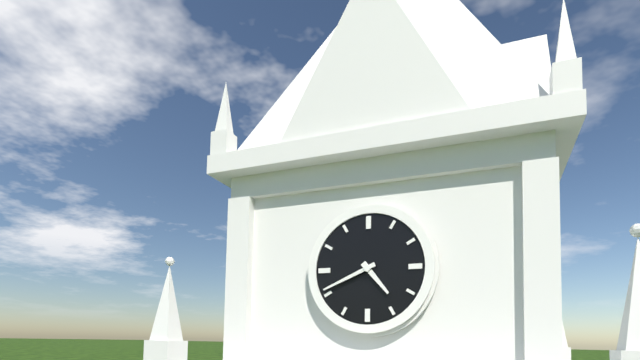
{"hour": 4, "minute": 41}
